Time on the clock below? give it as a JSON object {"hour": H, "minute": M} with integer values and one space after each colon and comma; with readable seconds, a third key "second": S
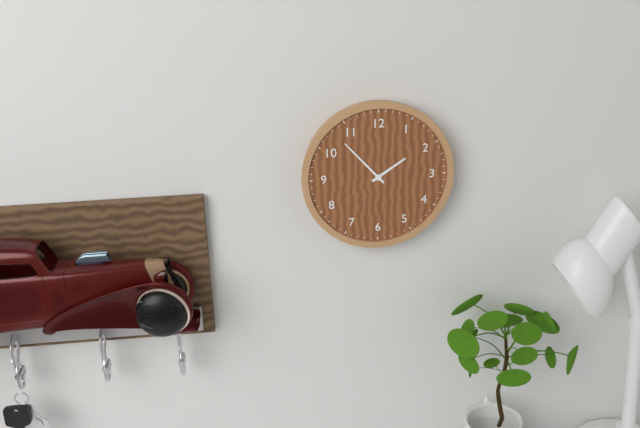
{"hour": 1, "minute": 53}
